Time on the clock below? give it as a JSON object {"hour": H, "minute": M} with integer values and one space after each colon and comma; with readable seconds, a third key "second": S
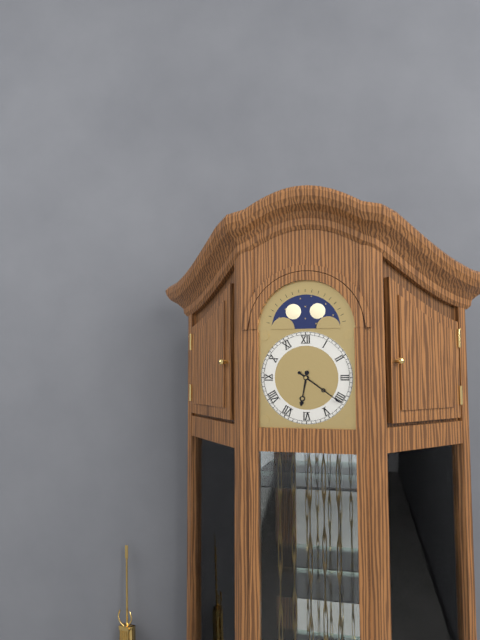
{"hour": 6, "minute": 21}
